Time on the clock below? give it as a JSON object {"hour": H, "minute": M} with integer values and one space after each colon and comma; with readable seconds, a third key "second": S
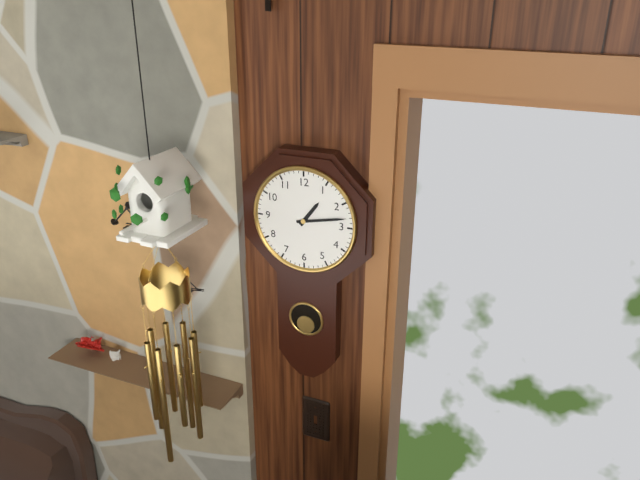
{"hour": 1, "minute": 13}
